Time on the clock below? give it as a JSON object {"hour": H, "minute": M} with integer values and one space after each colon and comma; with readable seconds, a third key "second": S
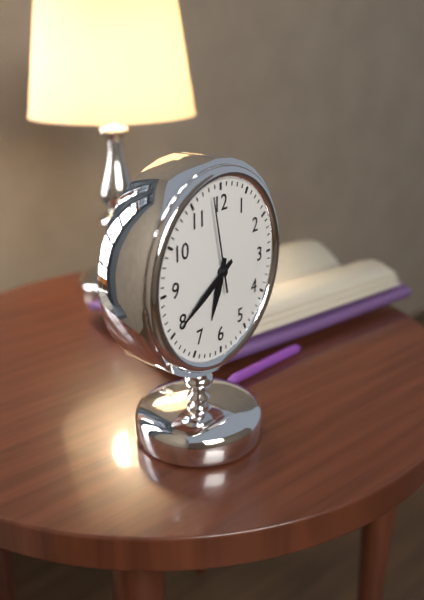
{"hour": 6, "minute": 40, "second": 58}
